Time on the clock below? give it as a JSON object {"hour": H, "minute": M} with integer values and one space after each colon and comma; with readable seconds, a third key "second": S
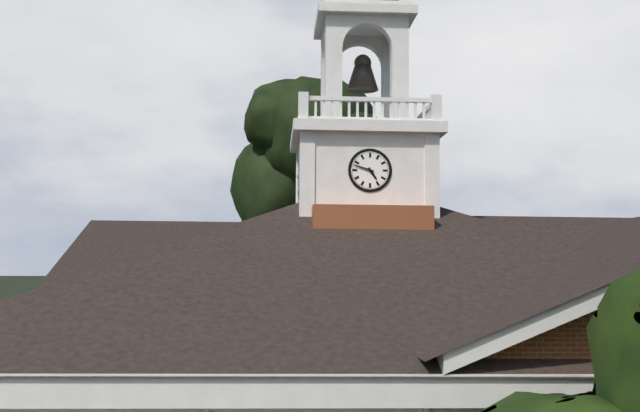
{"hour": 4, "minute": 48}
